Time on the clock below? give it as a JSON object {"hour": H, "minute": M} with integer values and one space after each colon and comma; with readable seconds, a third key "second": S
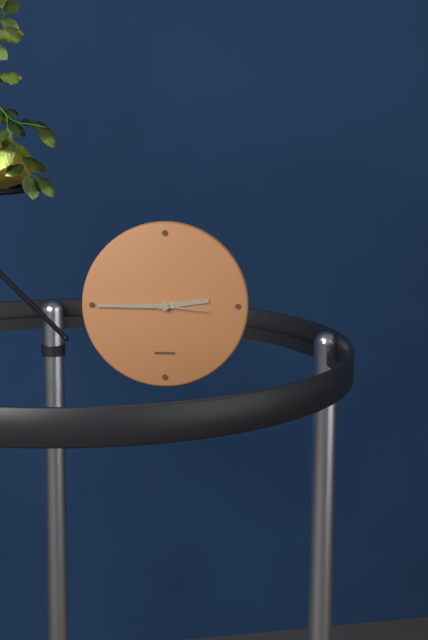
{"hour": 2, "minute": 45, "second": 16}
